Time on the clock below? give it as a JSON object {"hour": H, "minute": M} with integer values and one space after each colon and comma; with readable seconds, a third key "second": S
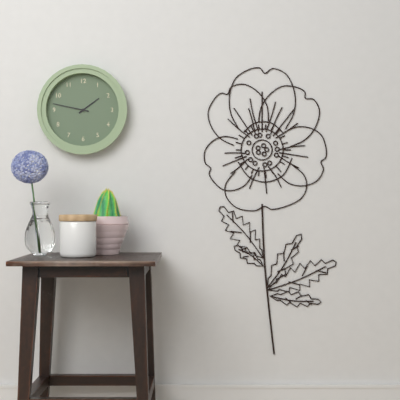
{"hour": 1, "minute": 47}
